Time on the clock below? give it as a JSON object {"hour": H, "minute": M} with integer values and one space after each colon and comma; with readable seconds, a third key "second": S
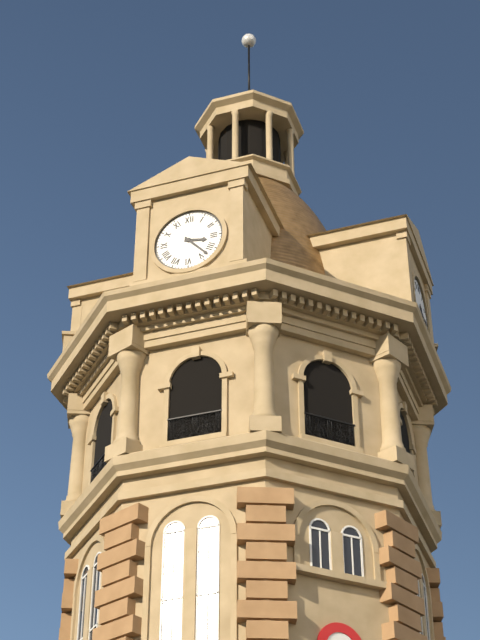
{"hour": 3, "minute": 23}
